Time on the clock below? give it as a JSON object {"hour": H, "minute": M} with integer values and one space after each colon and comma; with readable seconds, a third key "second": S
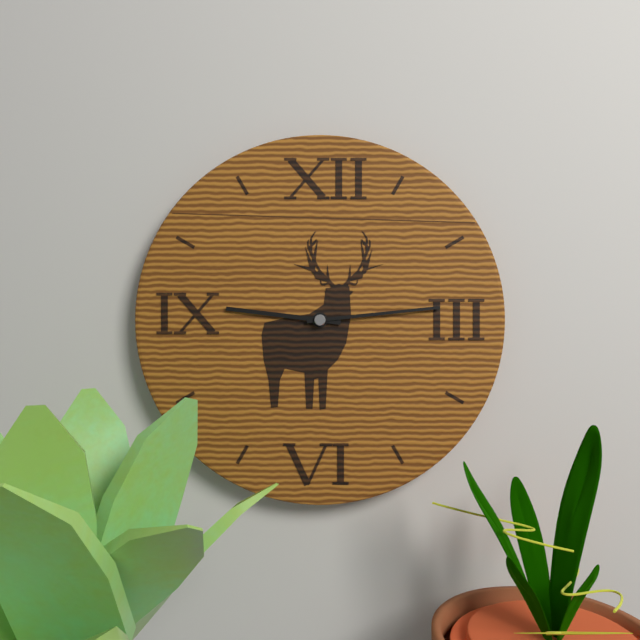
{"hour": 9, "minute": 14}
